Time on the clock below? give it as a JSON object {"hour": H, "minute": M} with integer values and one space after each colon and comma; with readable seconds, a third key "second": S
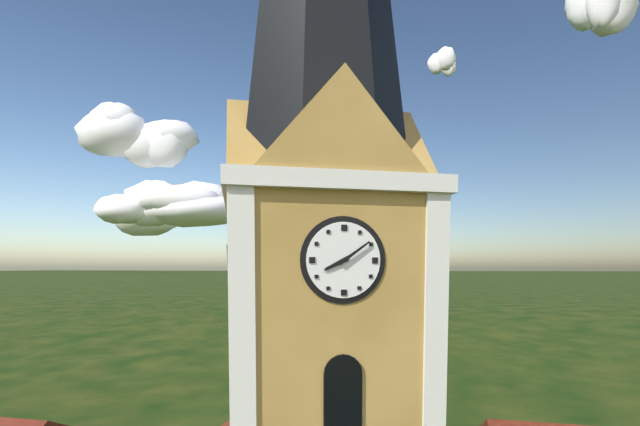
{"hour": 8, "minute": 9}
